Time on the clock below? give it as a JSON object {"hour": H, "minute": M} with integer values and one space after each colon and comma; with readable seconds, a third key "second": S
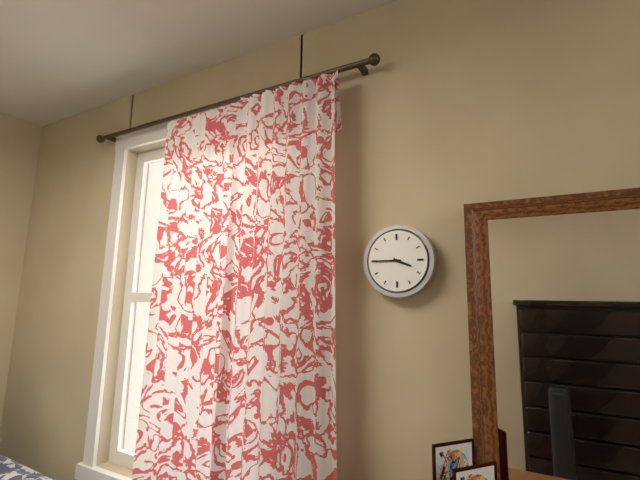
{"hour": 3, "minute": 45}
